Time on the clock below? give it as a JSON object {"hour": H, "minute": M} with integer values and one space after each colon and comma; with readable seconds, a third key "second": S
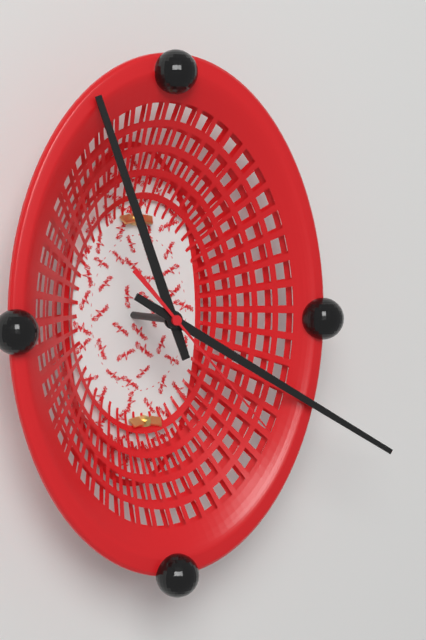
{"hour": 11, "minute": 20, "second": 23}
